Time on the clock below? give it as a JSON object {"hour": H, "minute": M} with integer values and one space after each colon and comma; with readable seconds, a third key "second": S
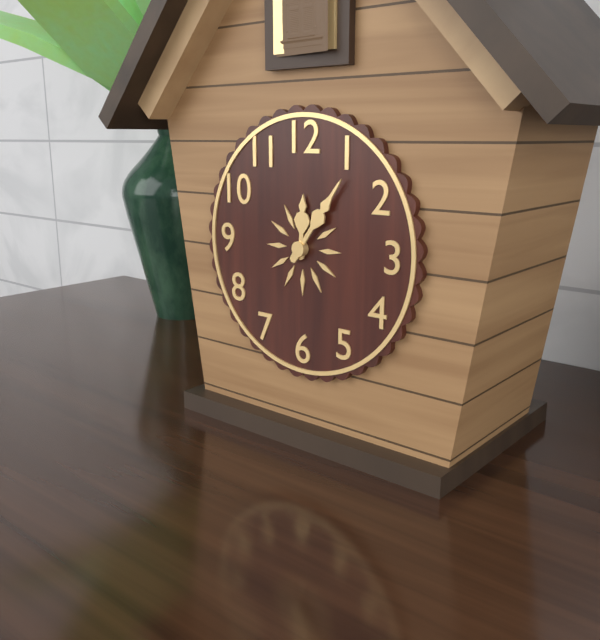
{"hour": 12, "minute": 6}
